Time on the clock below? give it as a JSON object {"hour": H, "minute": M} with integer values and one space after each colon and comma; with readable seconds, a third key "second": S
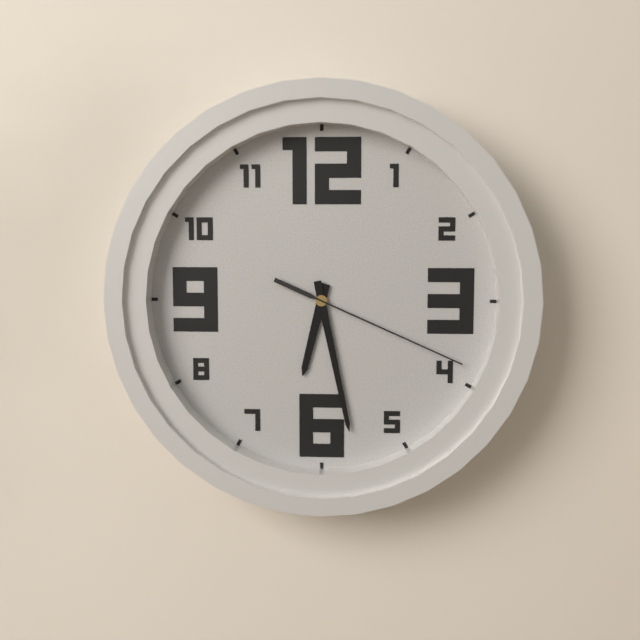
{"hour": 6, "minute": 28, "second": 19}
